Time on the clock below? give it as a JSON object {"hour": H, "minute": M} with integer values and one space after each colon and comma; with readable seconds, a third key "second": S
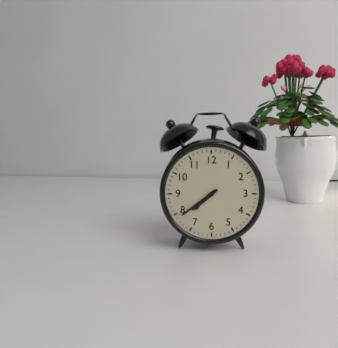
{"hour": 7, "minute": 39}
